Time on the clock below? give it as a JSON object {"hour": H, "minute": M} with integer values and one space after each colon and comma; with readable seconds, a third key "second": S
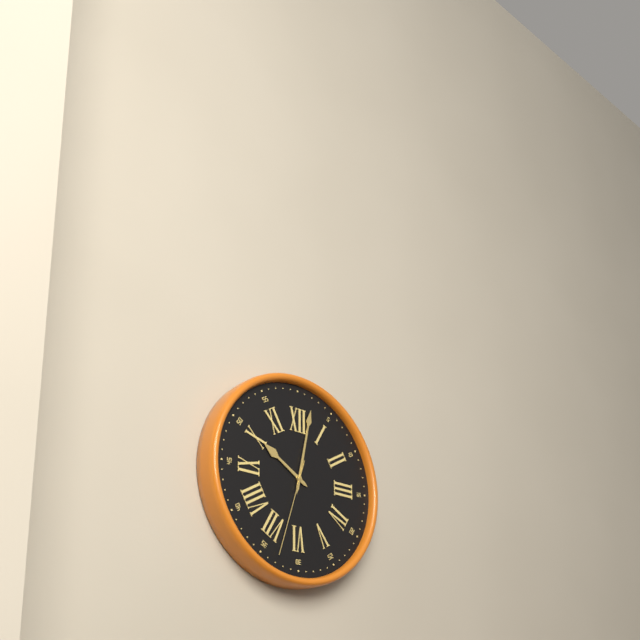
{"hour": 10, "minute": 2, "second": 33}
